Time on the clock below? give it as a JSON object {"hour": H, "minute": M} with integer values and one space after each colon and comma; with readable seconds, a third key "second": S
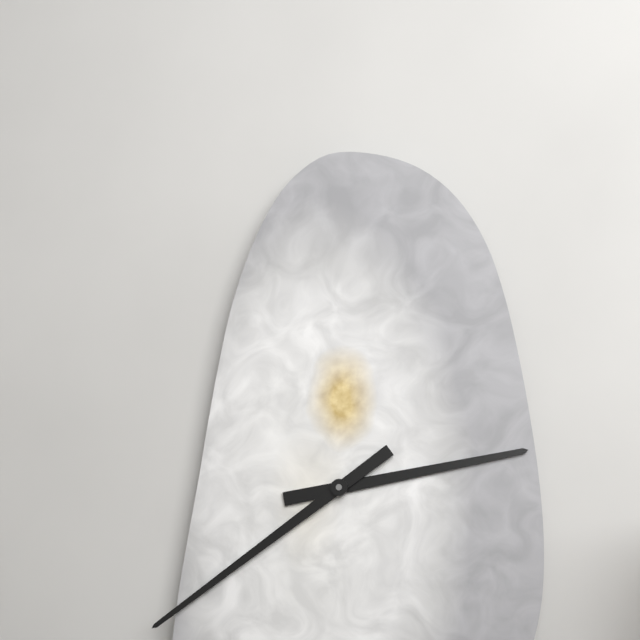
{"hour": 2, "minute": 39}
